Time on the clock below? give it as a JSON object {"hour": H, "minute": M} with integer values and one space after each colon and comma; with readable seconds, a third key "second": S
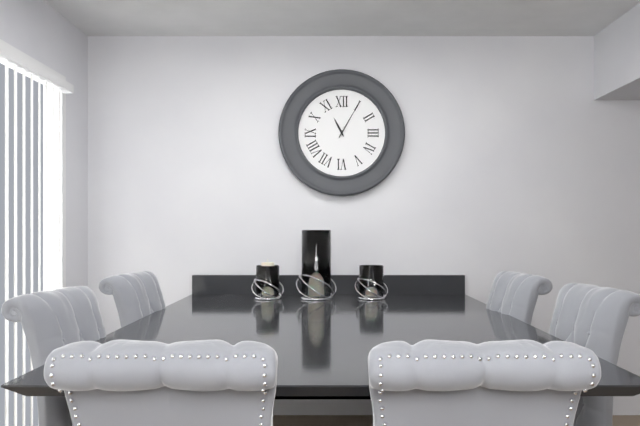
{"hour": 11, "minute": 5}
